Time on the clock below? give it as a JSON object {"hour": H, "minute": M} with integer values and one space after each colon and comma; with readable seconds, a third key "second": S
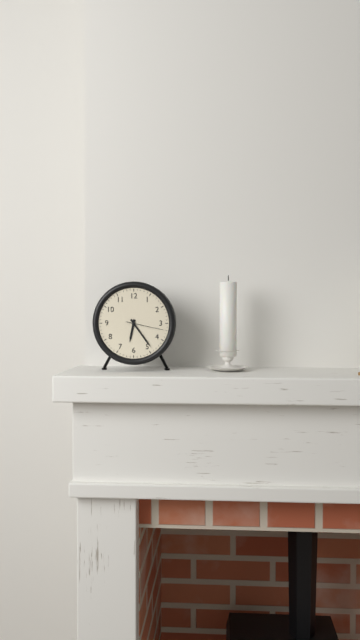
{"hour": 6, "minute": 24}
